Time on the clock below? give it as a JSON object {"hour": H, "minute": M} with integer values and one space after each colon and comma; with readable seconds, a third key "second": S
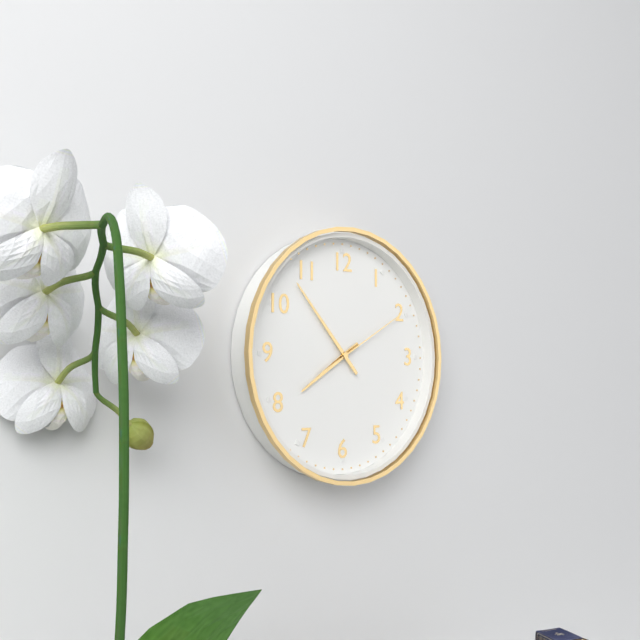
{"hour": 7, "minute": 53, "second": 10}
